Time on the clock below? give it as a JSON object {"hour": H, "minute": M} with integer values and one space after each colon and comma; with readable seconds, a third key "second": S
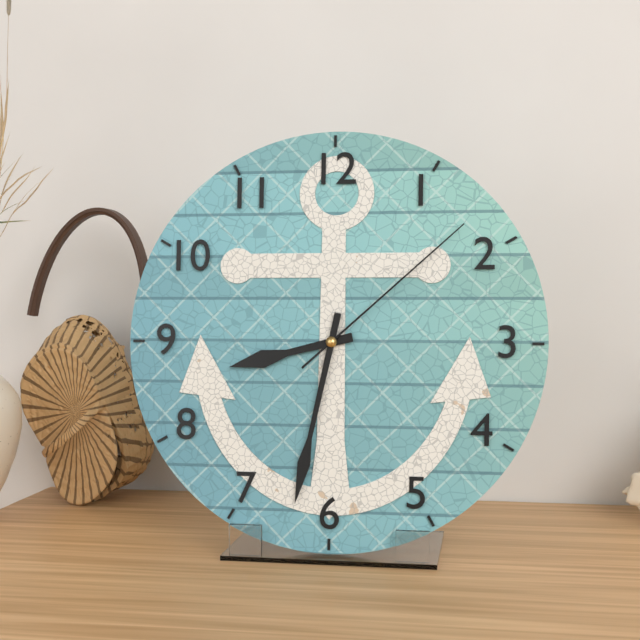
{"hour": 8, "minute": 32, "second": 8}
